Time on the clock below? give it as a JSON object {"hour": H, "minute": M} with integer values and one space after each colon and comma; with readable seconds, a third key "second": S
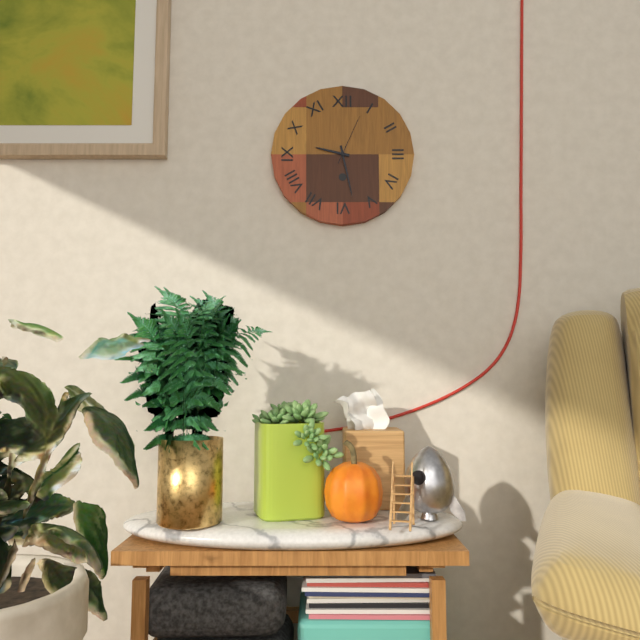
{"hour": 9, "minute": 28, "second": 4}
